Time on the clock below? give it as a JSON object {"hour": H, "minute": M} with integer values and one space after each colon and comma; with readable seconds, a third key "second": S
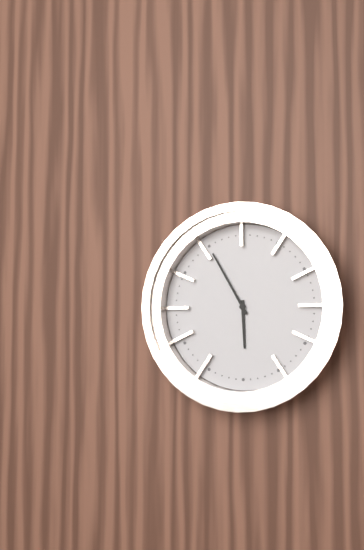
{"hour": 5, "minute": 55}
